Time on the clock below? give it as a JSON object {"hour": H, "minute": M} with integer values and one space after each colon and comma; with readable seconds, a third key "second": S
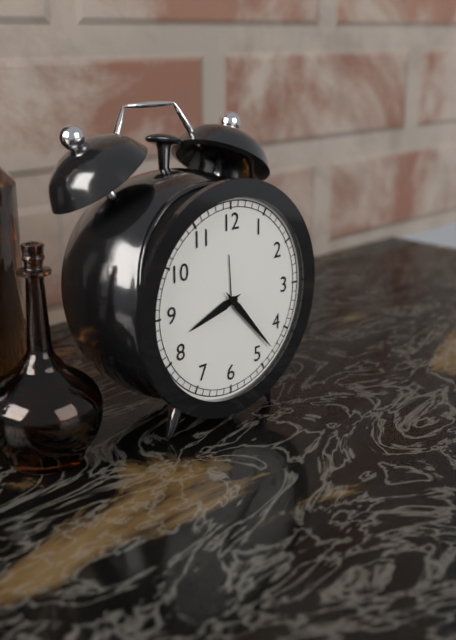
{"hour": 8, "minute": 23}
